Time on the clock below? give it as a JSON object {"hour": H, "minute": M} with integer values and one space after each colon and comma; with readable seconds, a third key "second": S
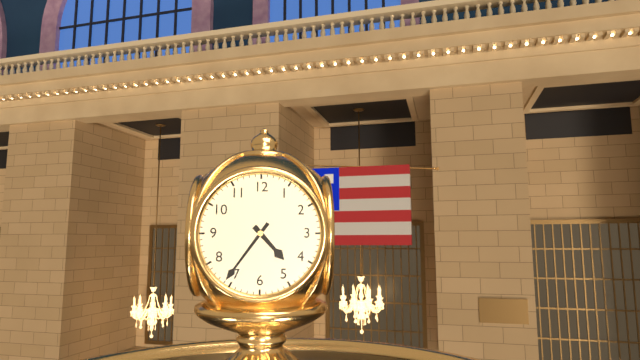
{"hour": 4, "minute": 36}
